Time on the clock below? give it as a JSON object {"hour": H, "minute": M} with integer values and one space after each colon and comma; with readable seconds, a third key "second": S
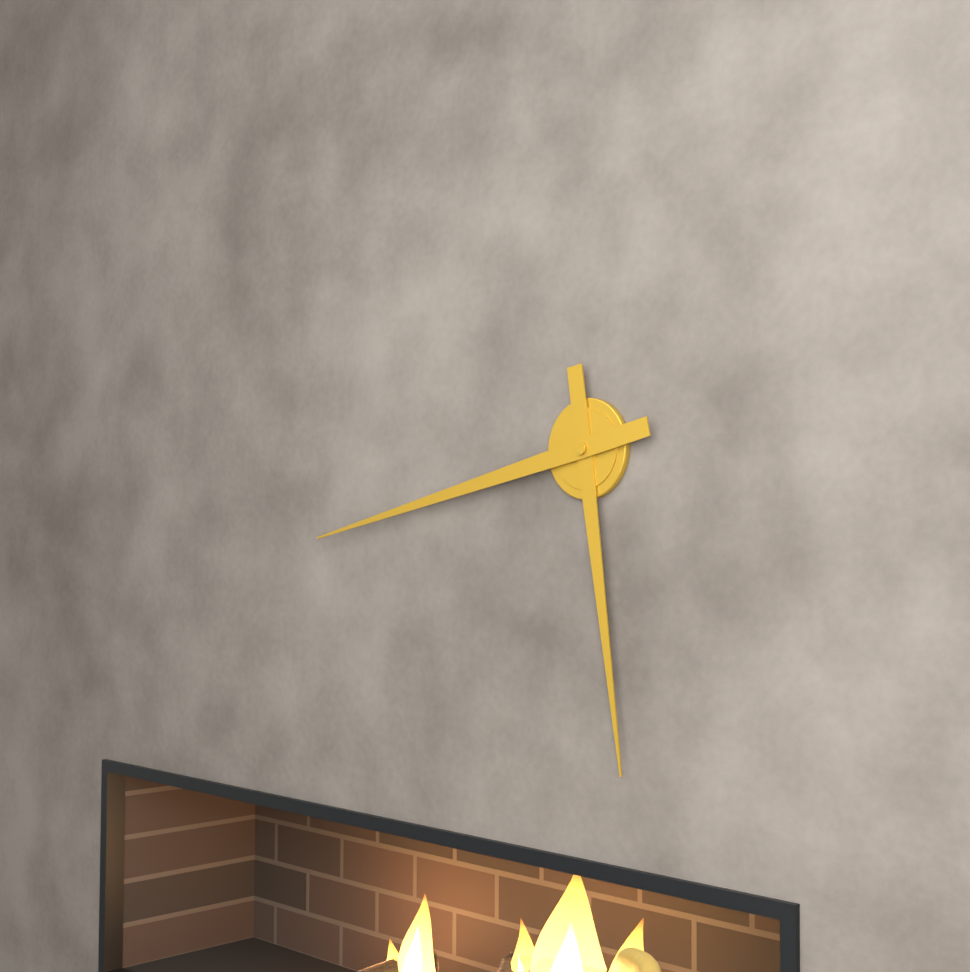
{"hour": 5, "minute": 43}
